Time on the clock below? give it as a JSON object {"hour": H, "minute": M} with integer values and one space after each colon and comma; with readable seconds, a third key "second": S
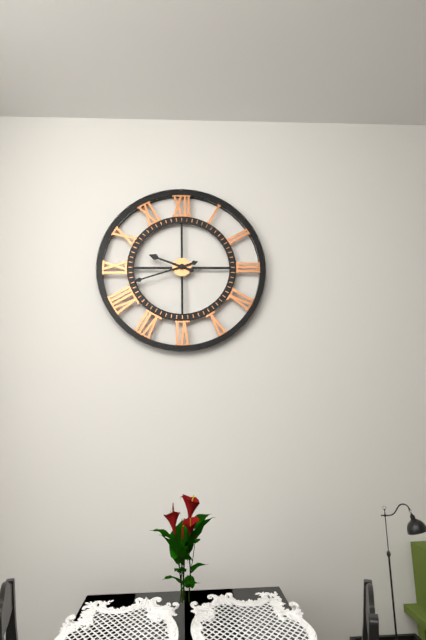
{"hour": 9, "minute": 42}
